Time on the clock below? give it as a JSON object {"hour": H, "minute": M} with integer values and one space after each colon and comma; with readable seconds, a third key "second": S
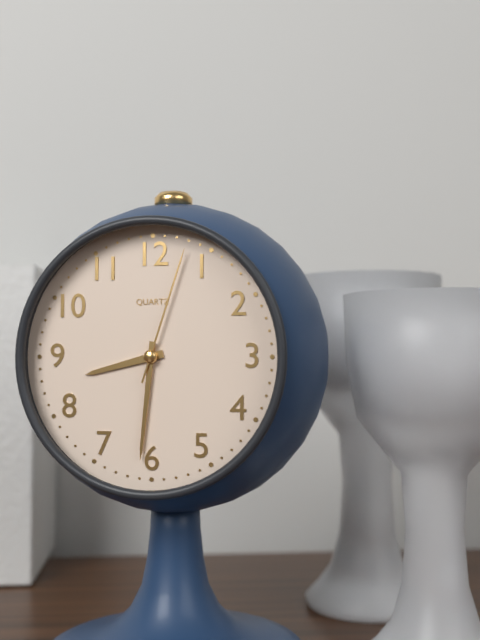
{"hour": 8, "minute": 31, "second": 3}
